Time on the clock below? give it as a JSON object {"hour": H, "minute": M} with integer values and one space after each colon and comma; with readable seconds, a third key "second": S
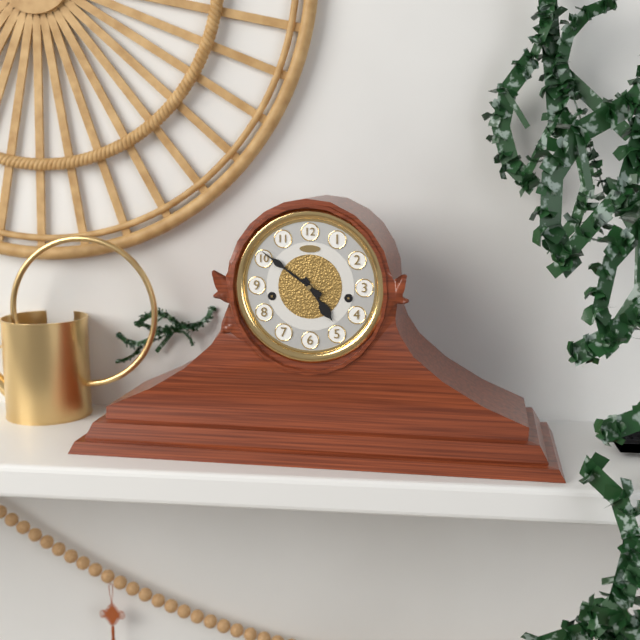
{"hour": 4, "minute": 51}
